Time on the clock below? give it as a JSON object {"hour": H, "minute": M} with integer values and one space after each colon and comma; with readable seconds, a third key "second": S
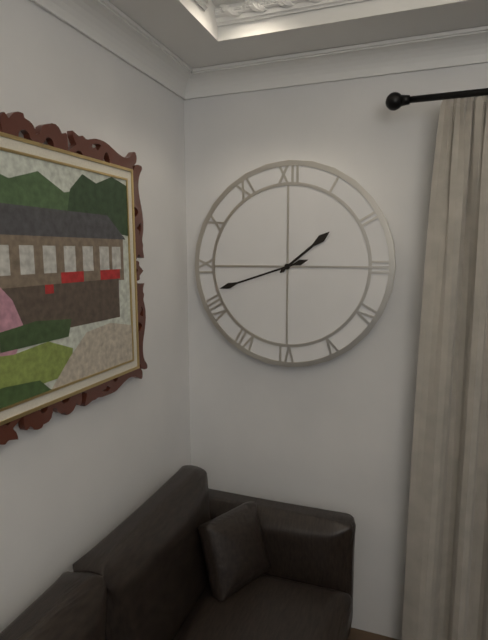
{"hour": 1, "minute": 42}
